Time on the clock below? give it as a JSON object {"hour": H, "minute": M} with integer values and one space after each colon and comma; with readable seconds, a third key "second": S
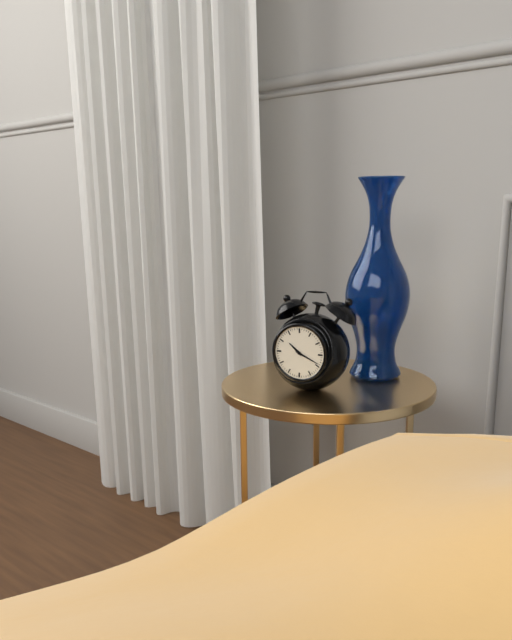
{"hour": 10, "minute": 19}
